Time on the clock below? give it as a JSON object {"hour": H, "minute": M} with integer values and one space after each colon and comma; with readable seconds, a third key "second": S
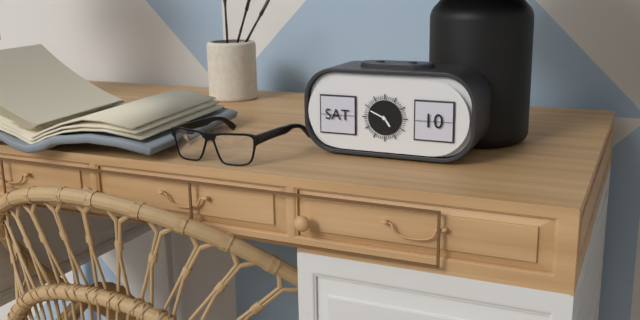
{"hour": 4, "minute": 49}
